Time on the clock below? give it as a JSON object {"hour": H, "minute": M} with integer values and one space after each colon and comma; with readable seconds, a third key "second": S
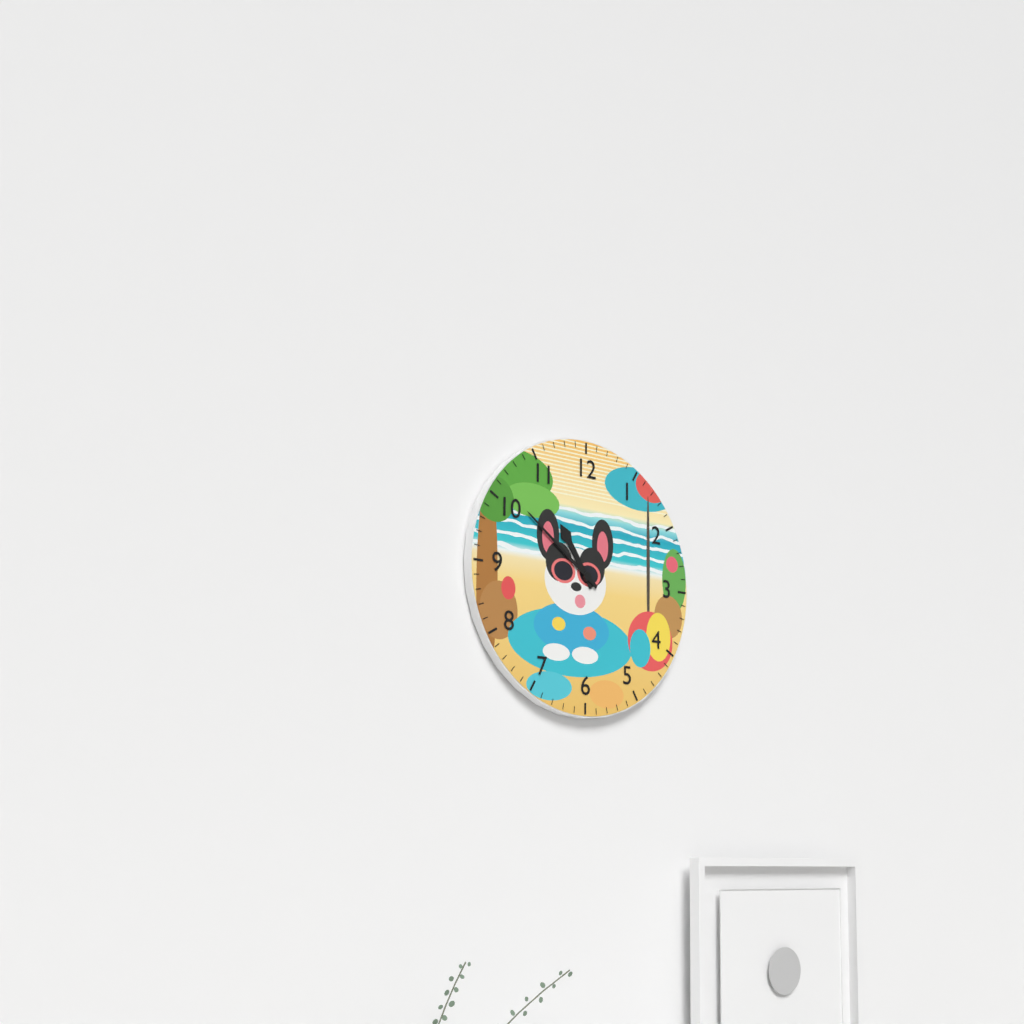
{"hour": 10, "minute": 51}
